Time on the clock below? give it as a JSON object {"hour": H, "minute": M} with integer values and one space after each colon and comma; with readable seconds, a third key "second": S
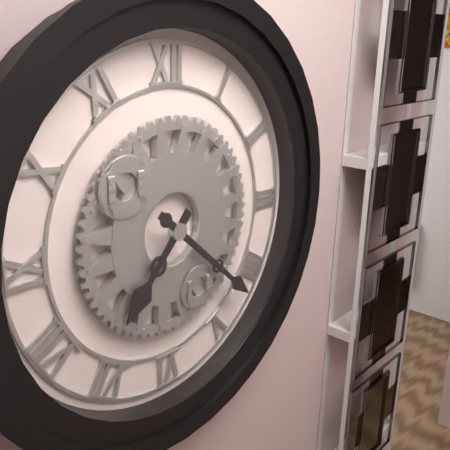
{"hour": 7, "minute": 22}
